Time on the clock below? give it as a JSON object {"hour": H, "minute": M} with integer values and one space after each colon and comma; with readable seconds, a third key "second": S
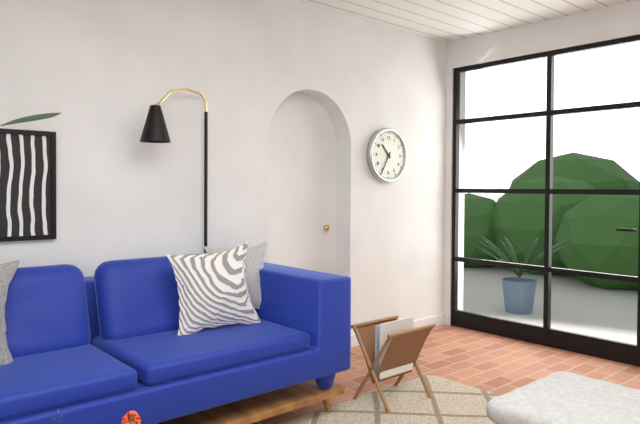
{"hour": 10, "minute": 35}
